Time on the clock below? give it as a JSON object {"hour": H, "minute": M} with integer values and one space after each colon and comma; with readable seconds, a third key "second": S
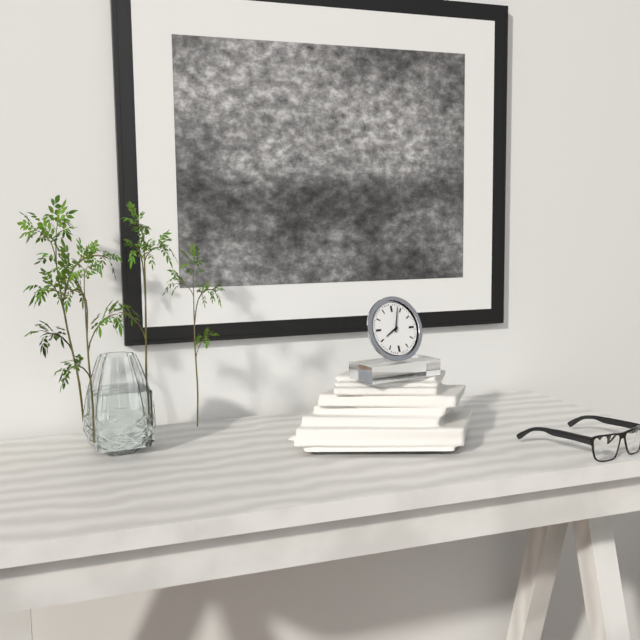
{"hour": 8, "minute": 3}
